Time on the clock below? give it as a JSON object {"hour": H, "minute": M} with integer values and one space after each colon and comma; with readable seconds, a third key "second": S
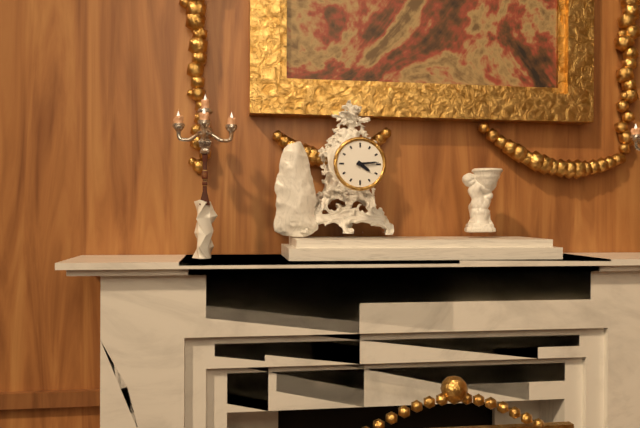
{"hour": 4, "minute": 14}
